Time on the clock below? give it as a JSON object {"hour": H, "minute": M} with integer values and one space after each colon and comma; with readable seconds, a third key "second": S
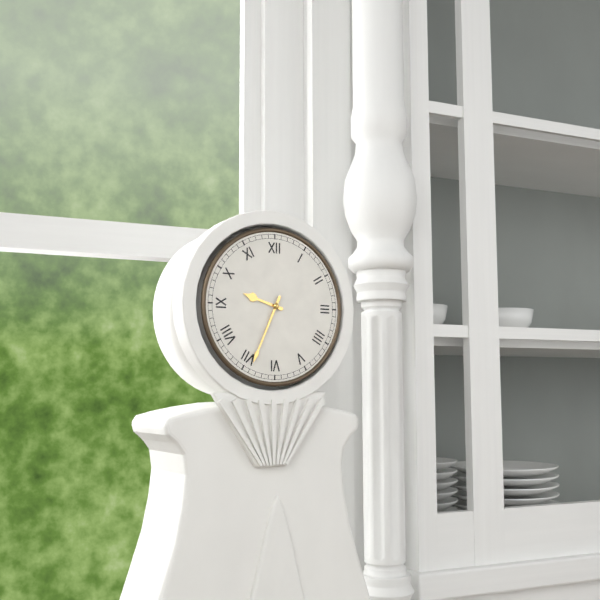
{"hour": 9, "minute": 34}
